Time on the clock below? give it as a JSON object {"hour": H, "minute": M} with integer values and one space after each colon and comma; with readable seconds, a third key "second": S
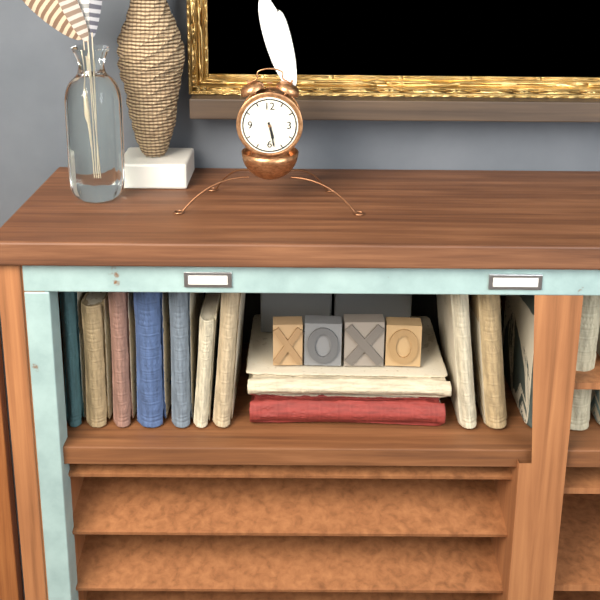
{"hour": 5, "minute": 28}
